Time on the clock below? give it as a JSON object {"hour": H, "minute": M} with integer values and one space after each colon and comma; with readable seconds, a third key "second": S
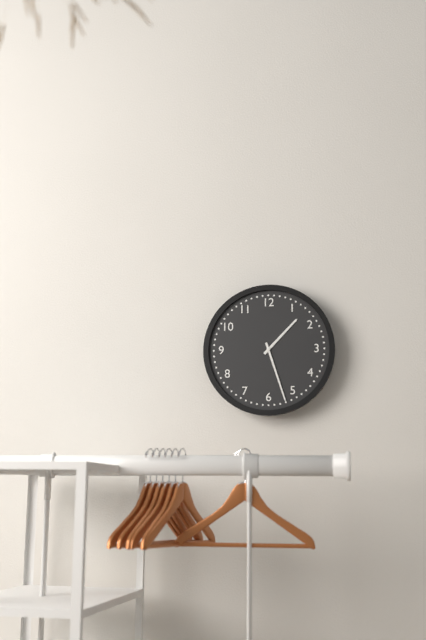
{"hour": 1, "minute": 27}
